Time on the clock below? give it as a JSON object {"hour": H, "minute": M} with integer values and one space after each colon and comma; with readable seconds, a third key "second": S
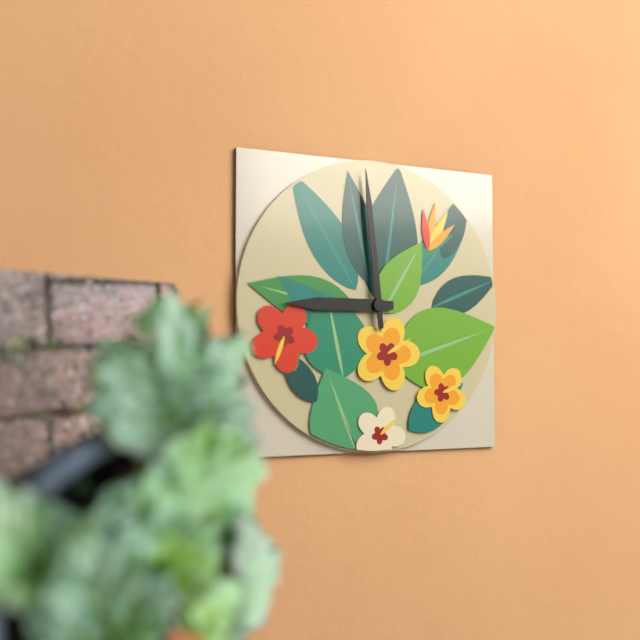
{"hour": 8, "minute": 59}
